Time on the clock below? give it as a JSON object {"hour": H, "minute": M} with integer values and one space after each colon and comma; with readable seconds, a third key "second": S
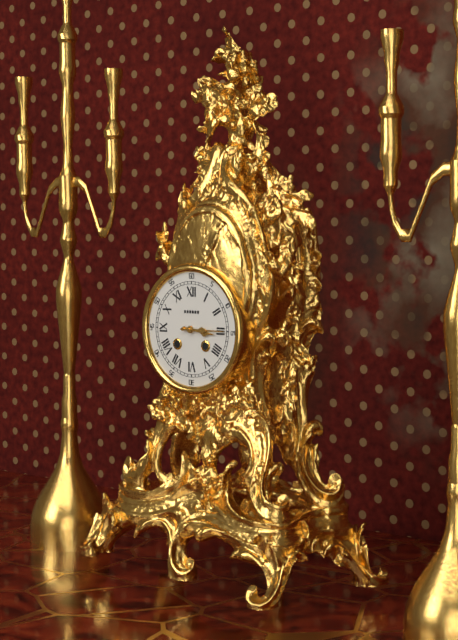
{"hour": 3, "minute": 15}
